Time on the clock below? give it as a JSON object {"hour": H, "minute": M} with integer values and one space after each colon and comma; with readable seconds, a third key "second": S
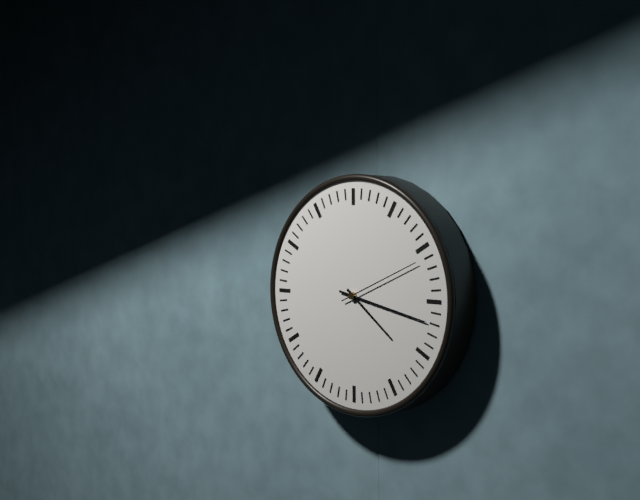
{"hour": 4, "minute": 17, "second": 11}
